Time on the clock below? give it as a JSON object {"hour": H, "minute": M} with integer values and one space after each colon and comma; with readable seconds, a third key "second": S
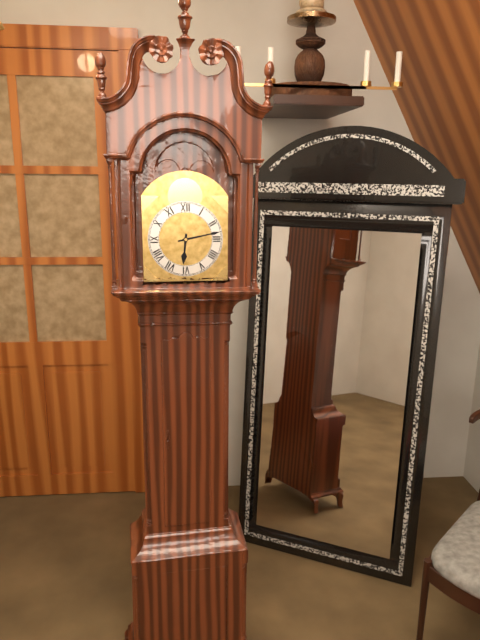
{"hour": 6, "minute": 13}
